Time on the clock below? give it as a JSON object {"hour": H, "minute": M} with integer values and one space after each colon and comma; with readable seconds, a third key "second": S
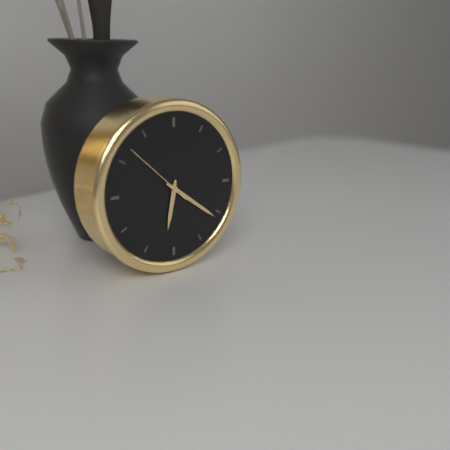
{"hour": 6, "minute": 21, "second": 52}
